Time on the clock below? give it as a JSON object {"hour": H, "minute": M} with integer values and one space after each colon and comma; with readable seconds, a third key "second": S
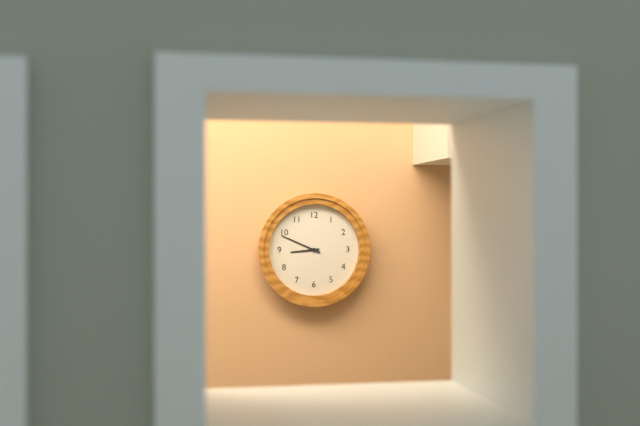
{"hour": 8, "minute": 49}
